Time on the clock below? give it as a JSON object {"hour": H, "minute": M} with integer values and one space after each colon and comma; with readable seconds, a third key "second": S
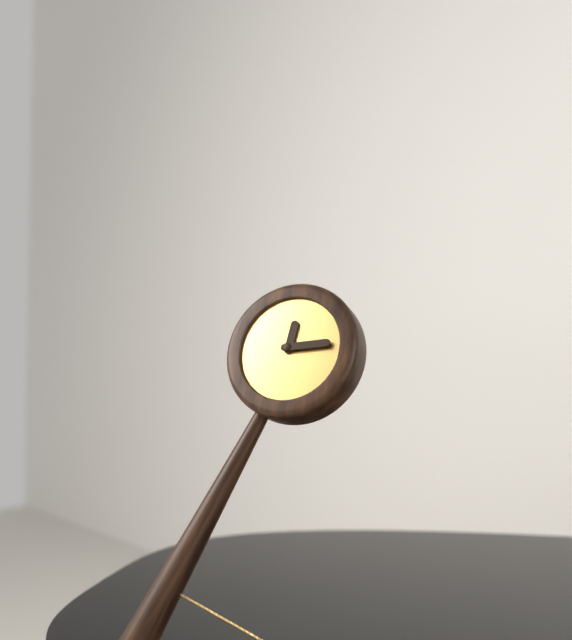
{"hour": 12, "minute": 14}
